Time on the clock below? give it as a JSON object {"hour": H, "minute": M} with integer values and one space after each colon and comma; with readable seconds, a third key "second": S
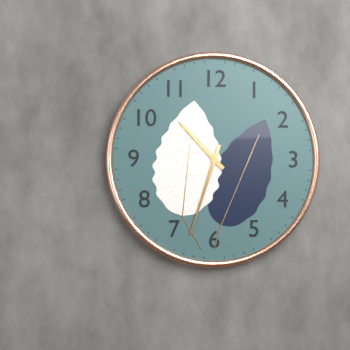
{"hour": 10, "minute": 33}
